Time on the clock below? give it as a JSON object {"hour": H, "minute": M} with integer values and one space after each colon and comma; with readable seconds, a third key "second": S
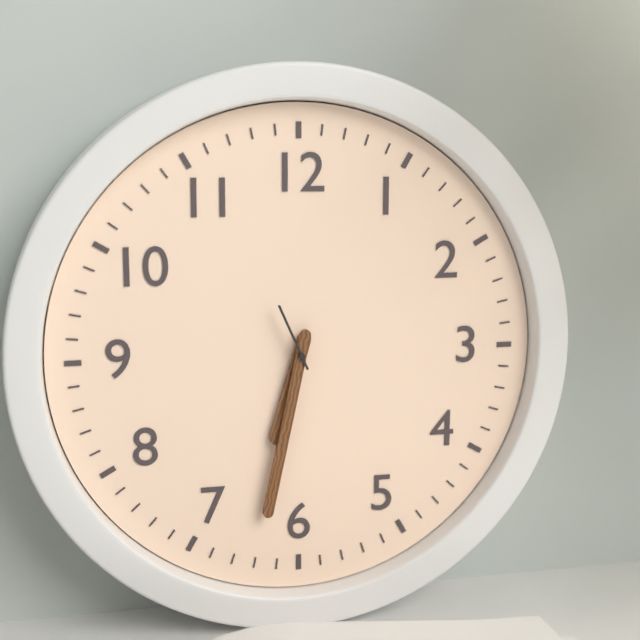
{"hour": 6, "minute": 32, "second": 56}
